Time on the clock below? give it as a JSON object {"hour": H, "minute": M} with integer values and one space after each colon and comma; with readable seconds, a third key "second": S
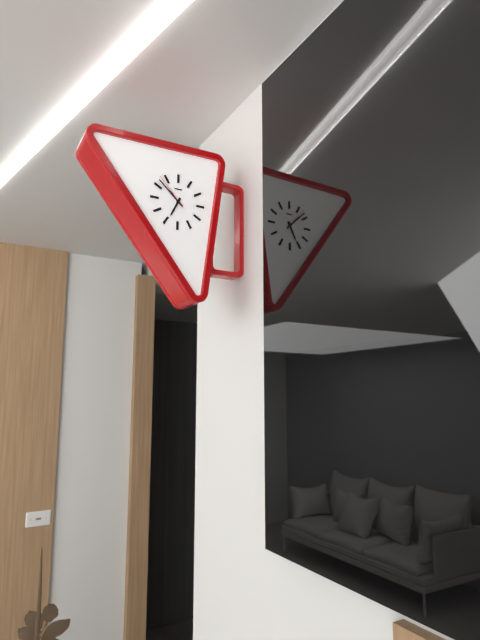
{"hour": 6, "minute": 52}
